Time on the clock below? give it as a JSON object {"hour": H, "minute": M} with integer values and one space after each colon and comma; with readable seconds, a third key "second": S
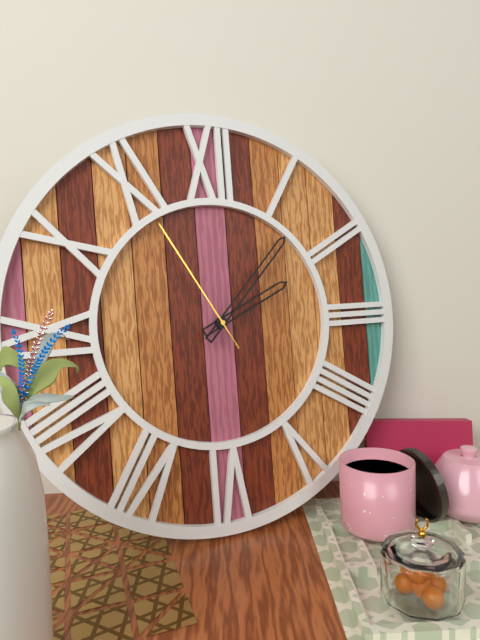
{"hour": 2, "minute": 7, "second": 55}
